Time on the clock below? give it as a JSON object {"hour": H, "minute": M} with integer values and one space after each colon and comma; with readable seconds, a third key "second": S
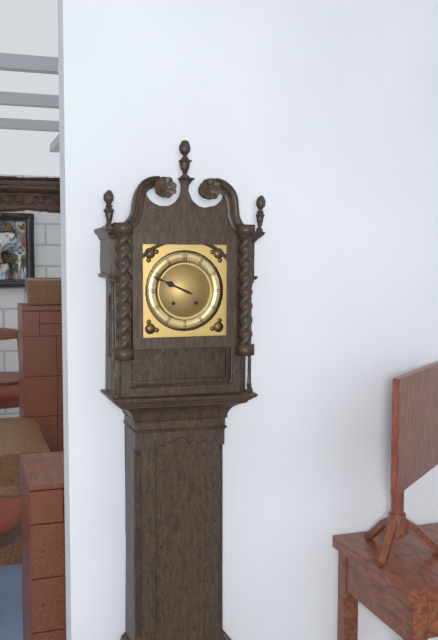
{"hour": 9, "minute": 49}
